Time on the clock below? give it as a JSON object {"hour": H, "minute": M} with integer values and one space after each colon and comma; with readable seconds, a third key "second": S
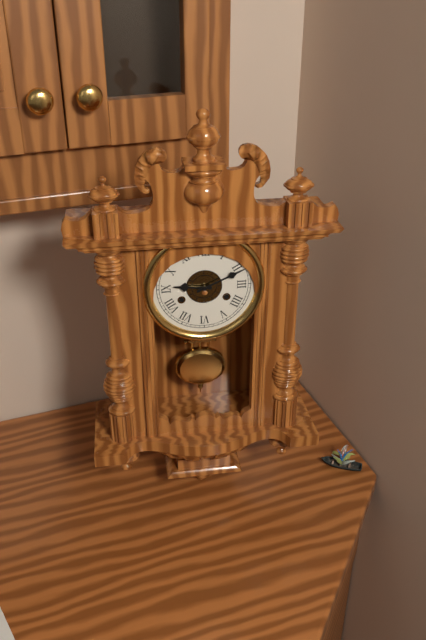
{"hour": 9, "minute": 11}
